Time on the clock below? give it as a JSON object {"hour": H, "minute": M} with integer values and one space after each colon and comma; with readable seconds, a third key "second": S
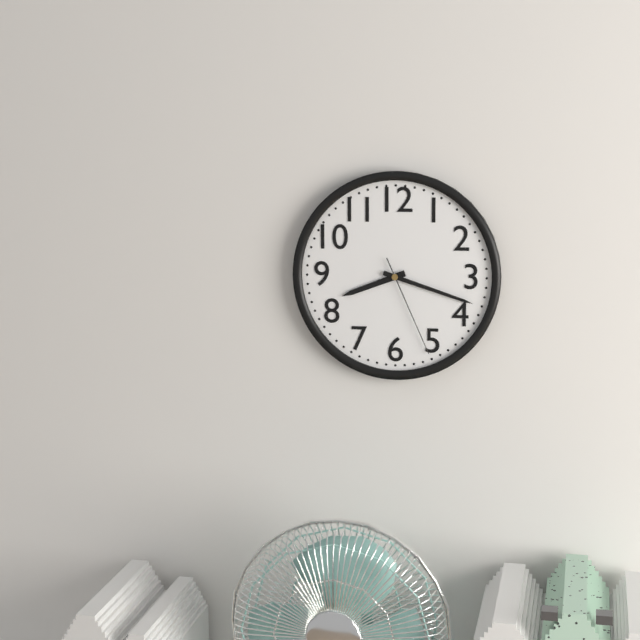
{"hour": 8, "minute": 18, "second": 26}
